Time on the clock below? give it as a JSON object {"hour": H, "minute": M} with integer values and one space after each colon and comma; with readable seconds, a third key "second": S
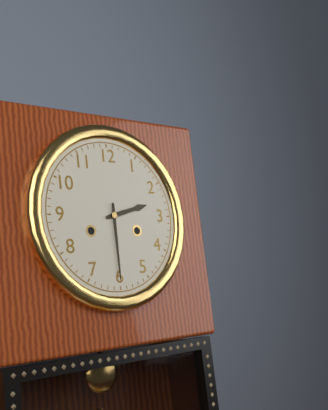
{"hour": 2, "minute": 30}
